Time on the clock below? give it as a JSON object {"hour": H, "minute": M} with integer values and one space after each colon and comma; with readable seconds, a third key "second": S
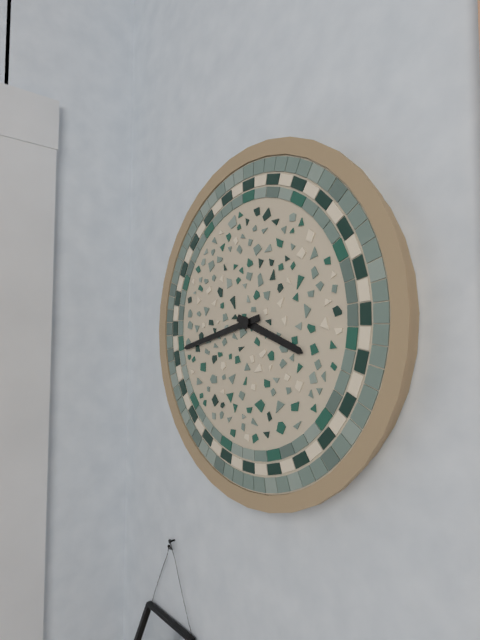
{"hour": 3, "minute": 43}
